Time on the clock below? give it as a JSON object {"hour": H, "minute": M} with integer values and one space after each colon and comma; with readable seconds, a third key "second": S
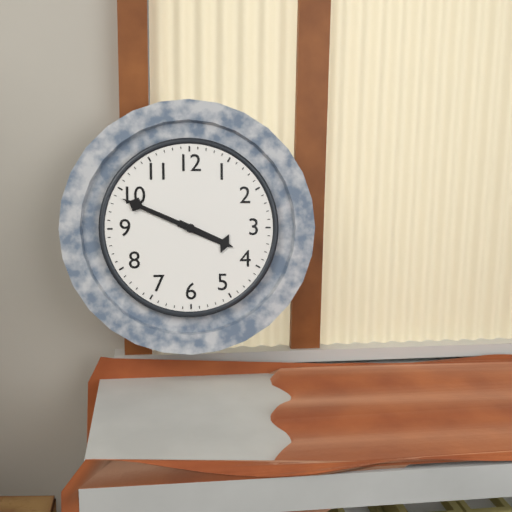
{"hour": 3, "minute": 49}
